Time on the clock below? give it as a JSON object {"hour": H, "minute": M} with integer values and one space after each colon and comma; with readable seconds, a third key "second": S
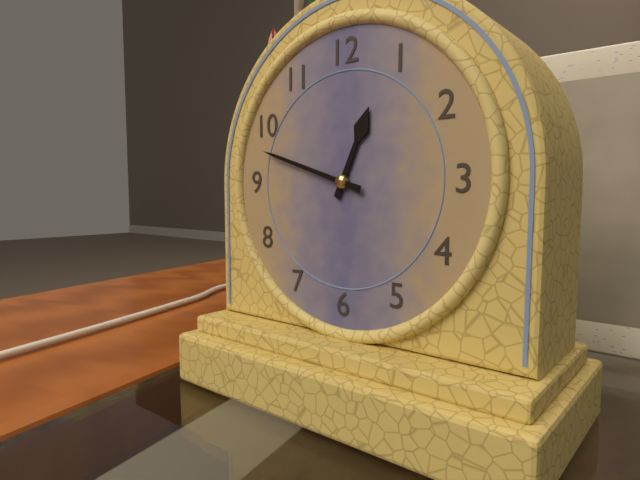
{"hour": 12, "minute": 48}
